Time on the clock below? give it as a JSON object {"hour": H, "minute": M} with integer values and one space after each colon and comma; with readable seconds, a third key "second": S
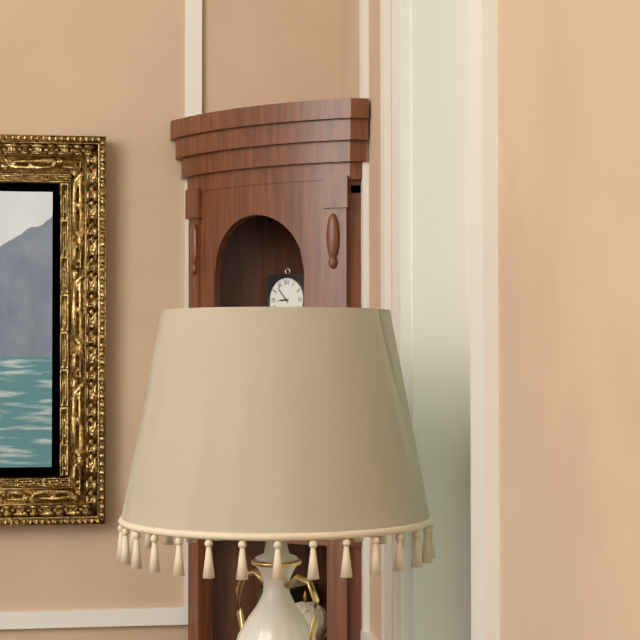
{"hour": 8, "minute": 53}
